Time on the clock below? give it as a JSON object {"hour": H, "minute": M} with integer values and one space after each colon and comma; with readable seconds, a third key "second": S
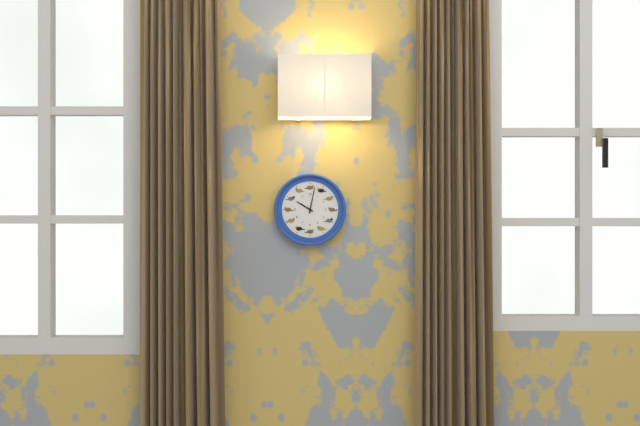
{"hour": 10, "minute": 2}
